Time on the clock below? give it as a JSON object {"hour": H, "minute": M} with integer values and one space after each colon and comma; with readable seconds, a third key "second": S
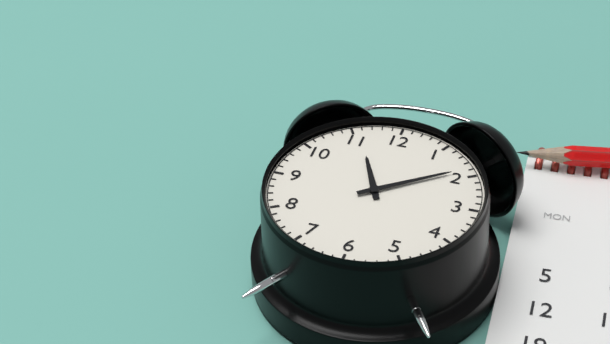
{"hour": 11, "minute": 9}
